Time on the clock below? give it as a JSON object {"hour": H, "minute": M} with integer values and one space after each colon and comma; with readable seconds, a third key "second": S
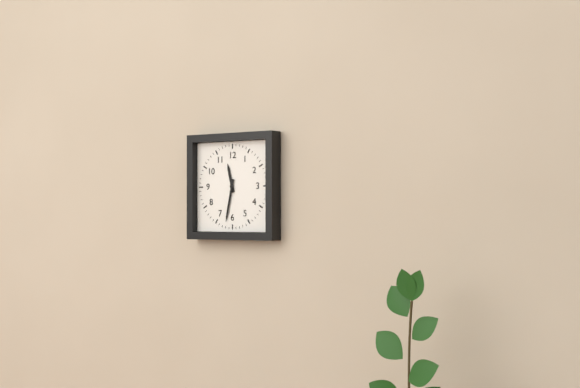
{"hour": 11, "minute": 32}
